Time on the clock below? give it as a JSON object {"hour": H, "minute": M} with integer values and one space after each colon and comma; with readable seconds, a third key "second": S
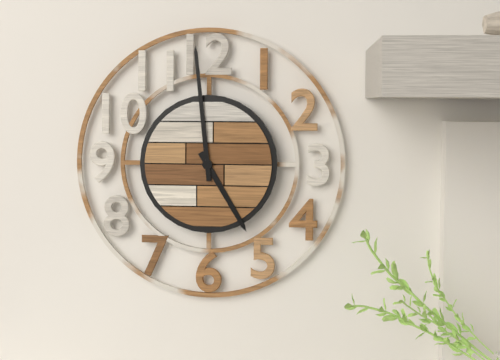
{"hour": 4, "minute": 59}
